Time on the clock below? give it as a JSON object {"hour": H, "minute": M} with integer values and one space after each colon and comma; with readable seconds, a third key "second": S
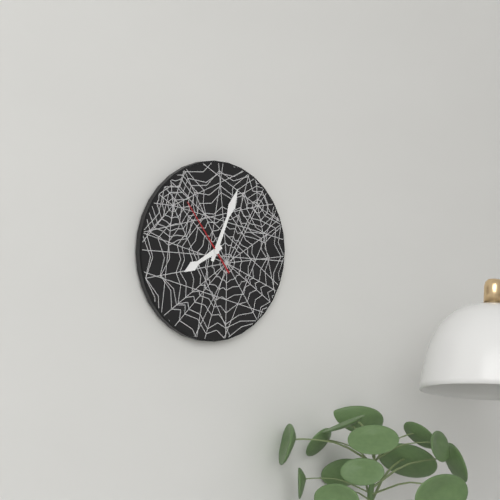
{"hour": 8, "minute": 4, "second": 54}
